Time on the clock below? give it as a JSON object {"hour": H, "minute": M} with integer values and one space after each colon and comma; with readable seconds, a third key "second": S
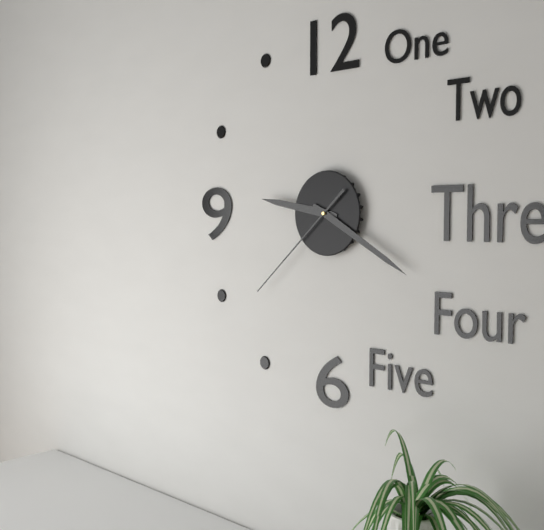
{"hour": 9, "minute": 20, "second": 38}
